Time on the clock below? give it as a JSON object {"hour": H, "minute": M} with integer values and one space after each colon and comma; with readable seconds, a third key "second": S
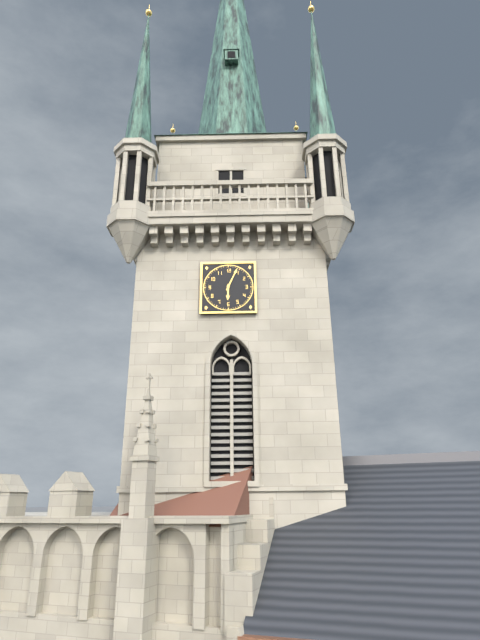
{"hour": 6, "minute": 4}
